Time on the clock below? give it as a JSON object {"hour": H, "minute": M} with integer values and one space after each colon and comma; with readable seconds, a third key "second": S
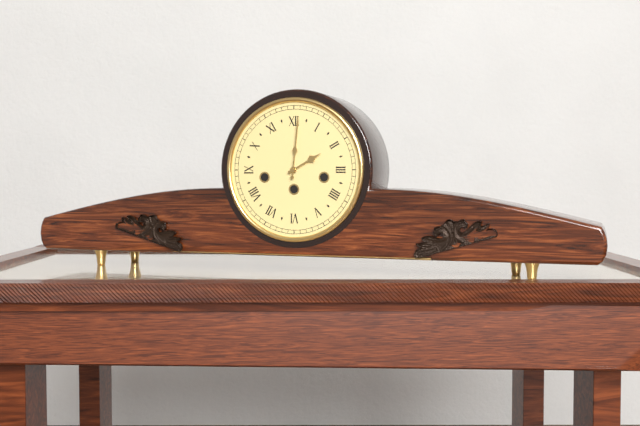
{"hour": 2, "minute": 1}
